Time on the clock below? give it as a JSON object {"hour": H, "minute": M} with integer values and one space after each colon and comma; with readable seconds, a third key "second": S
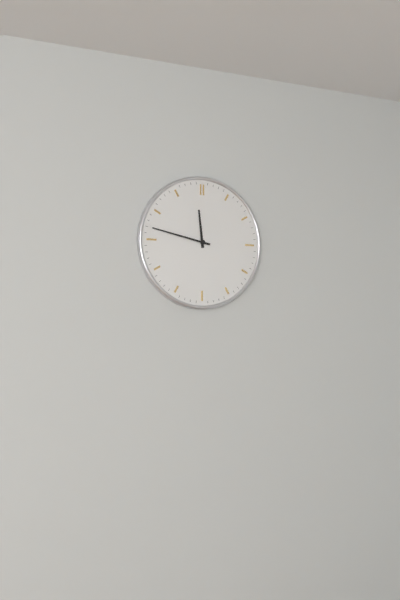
{"hour": 11, "minute": 47}
